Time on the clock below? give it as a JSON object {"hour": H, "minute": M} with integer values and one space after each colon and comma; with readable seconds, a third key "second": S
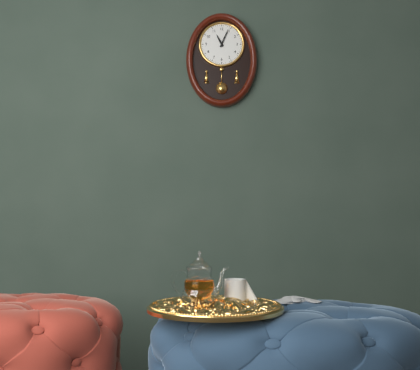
{"hour": 11, "minute": 4}
